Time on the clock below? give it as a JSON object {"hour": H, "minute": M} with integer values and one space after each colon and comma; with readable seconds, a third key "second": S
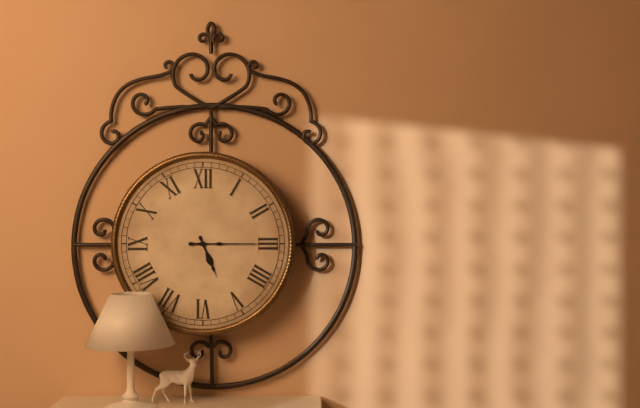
{"hour": 5, "minute": 15}
